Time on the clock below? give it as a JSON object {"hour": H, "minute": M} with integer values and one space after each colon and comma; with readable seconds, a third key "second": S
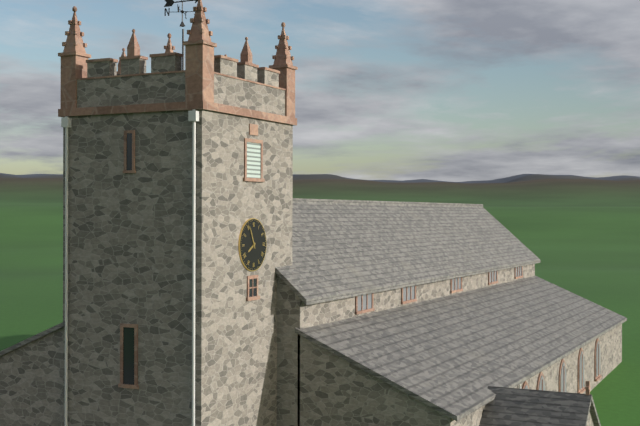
{"hour": 7, "minute": 56}
